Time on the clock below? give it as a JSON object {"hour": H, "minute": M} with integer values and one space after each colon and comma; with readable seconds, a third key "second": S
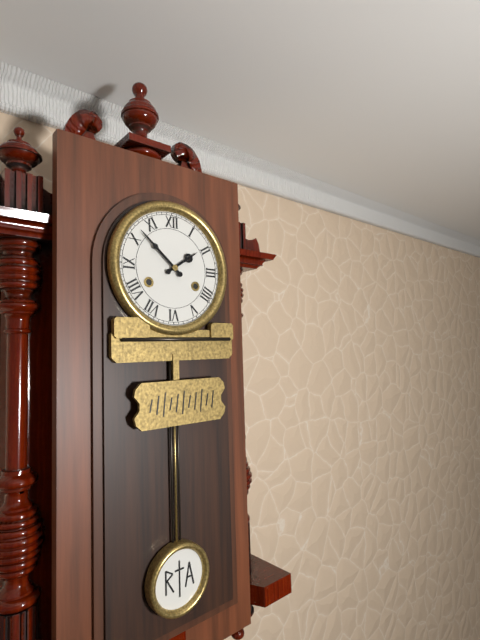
{"hour": 1, "minute": 52}
